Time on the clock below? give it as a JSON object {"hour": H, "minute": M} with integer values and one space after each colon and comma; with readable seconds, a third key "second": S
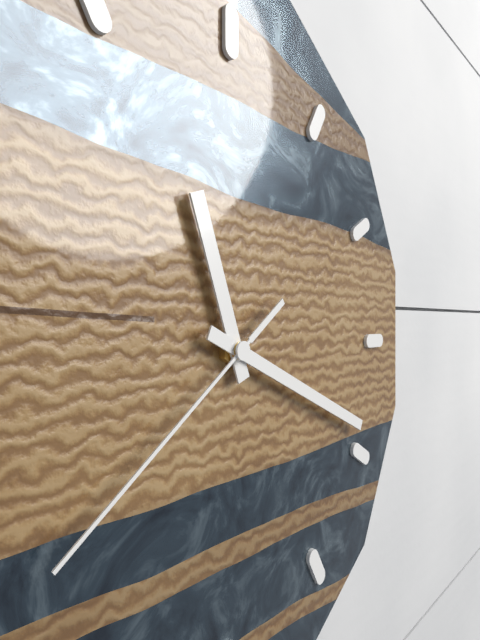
{"hour": 11, "minute": 19, "second": 39}
